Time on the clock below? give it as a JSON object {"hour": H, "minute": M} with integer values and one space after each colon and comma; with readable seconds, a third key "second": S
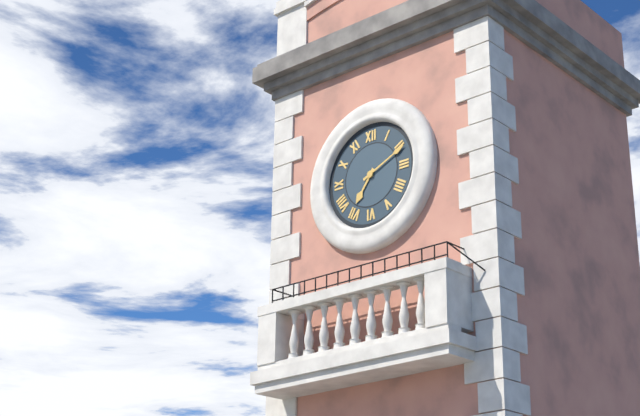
{"hour": 7, "minute": 11}
